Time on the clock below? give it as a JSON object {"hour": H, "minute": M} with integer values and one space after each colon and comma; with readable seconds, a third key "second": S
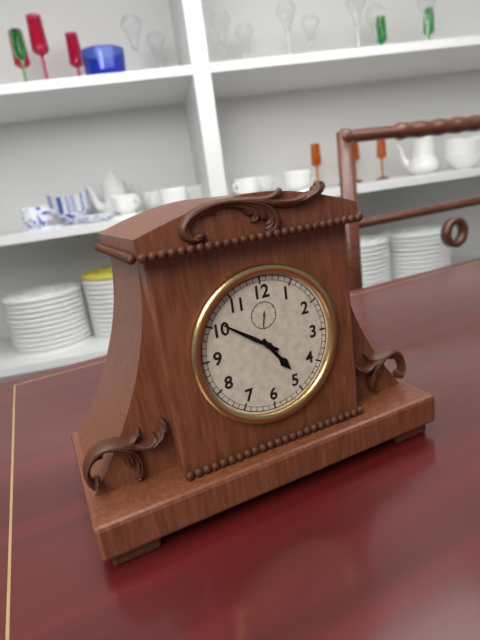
{"hour": 4, "minute": 51}
